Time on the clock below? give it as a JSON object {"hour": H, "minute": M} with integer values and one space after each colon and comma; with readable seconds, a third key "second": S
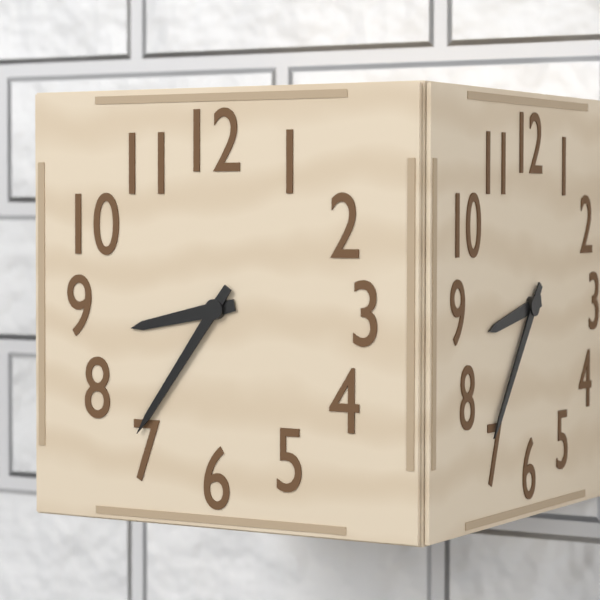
{"hour": 8, "minute": 36}
